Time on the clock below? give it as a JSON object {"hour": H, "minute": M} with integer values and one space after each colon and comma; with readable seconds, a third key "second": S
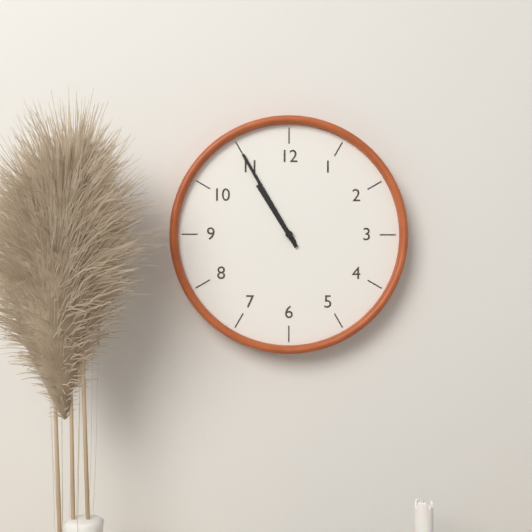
{"hour": 10, "minute": 55}
